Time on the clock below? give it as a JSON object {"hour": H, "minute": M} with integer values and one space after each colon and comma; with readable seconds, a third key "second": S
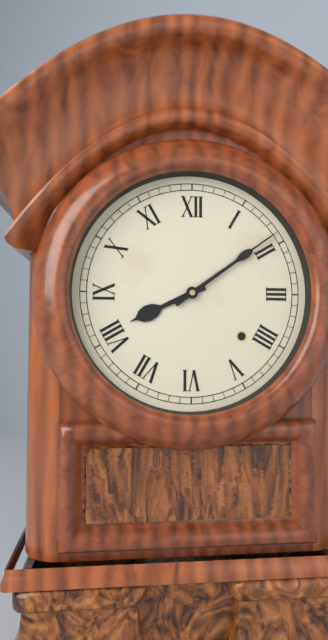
{"hour": 8, "minute": 9}
